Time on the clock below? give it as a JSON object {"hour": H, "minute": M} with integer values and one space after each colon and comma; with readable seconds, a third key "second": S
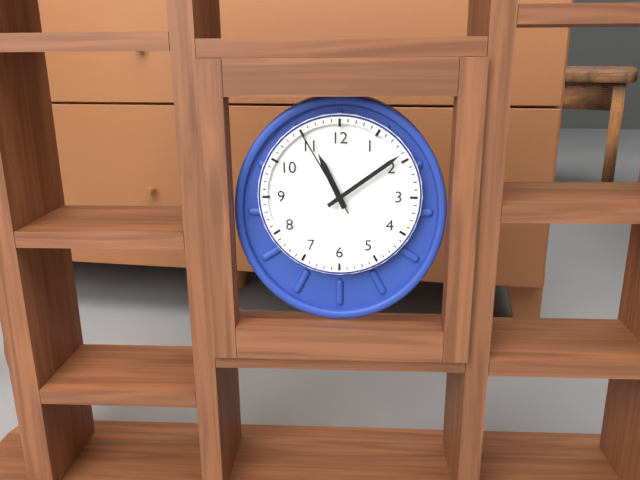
{"hour": 11, "minute": 9, "second": 55}
